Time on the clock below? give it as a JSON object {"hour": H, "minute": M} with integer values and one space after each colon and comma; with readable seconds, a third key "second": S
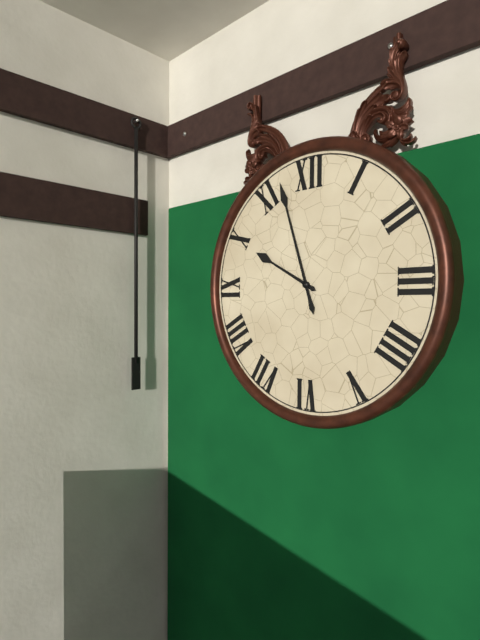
{"hour": 9, "minute": 57}
